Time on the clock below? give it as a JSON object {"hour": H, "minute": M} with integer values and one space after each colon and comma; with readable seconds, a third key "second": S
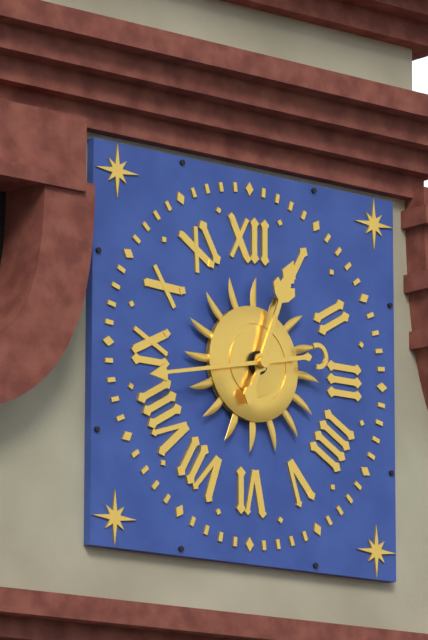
{"hour": 12, "minute": 43}
